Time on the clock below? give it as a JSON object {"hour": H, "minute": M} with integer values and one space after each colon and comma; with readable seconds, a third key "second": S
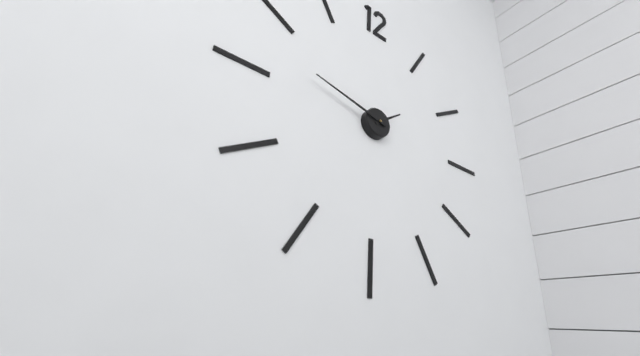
{"hour": 1, "minute": 47}
